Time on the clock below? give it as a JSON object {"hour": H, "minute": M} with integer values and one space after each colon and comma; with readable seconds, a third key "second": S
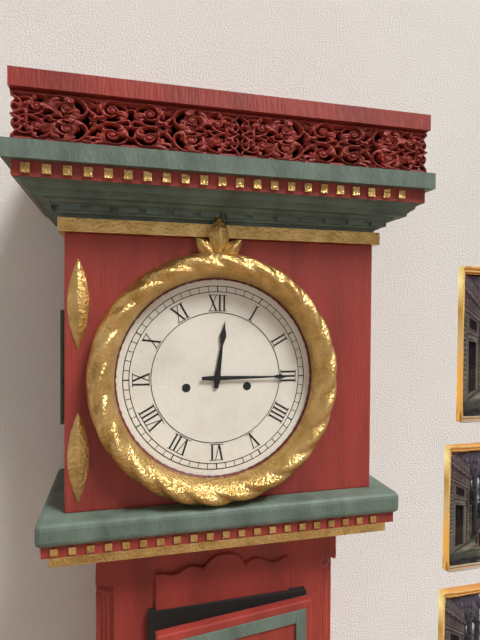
{"hour": 12, "minute": 15}
